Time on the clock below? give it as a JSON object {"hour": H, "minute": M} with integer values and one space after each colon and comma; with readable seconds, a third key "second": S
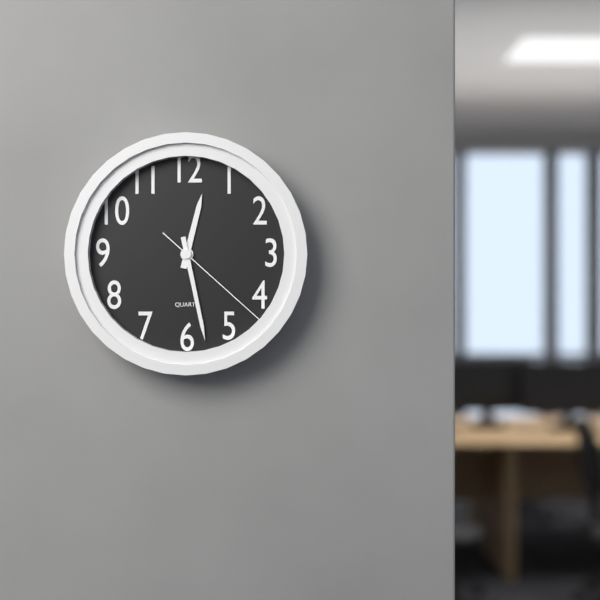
{"hour": 12, "minute": 28, "second": 22}
